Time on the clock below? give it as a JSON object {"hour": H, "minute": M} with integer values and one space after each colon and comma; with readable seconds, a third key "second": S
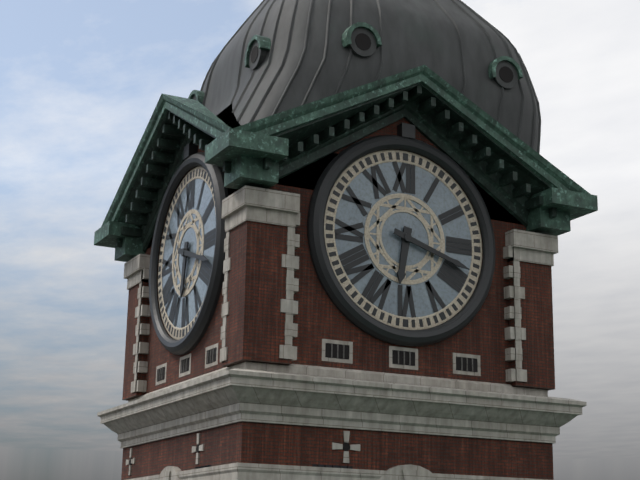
{"hour": 6, "minute": 18}
